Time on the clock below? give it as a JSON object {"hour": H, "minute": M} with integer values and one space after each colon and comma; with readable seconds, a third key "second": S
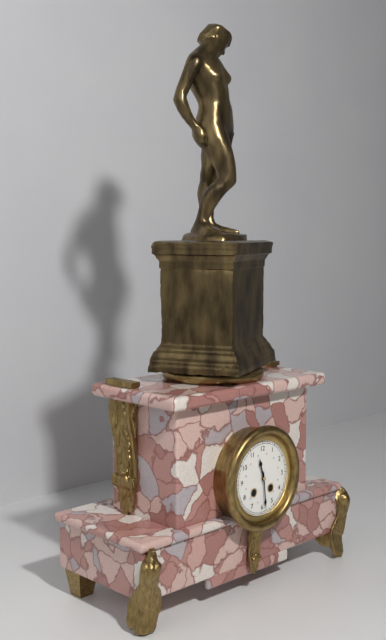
{"hour": 11, "minute": 29}
